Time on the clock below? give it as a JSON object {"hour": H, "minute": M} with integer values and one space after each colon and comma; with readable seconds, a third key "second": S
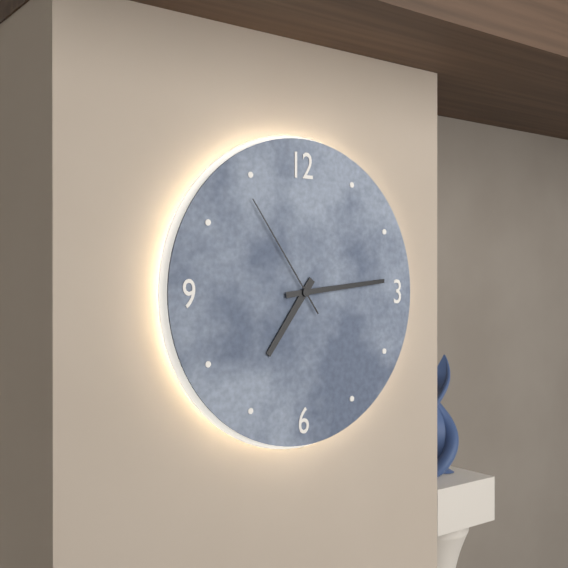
{"hour": 7, "minute": 14, "second": 54}
